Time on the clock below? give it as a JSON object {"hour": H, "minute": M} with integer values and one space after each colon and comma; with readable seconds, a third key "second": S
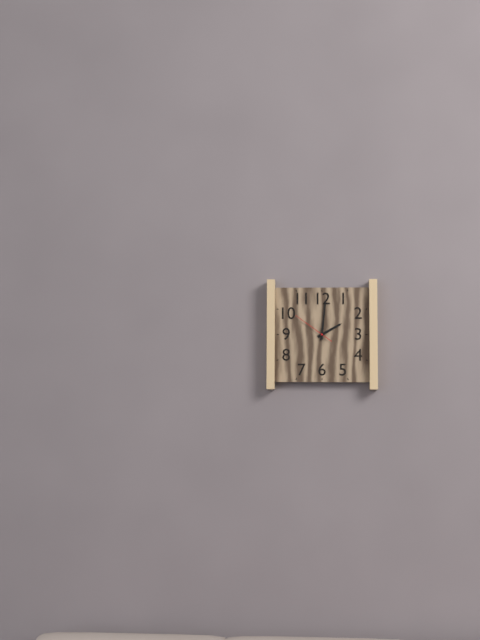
{"hour": 2, "minute": 1}
